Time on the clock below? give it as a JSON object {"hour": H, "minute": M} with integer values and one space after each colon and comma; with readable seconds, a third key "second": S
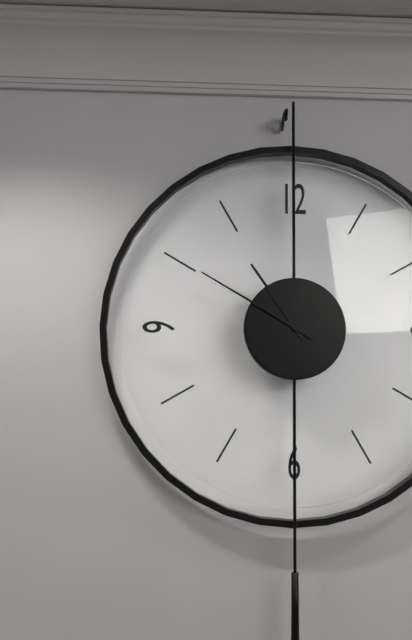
{"hour": 10, "minute": 50}
